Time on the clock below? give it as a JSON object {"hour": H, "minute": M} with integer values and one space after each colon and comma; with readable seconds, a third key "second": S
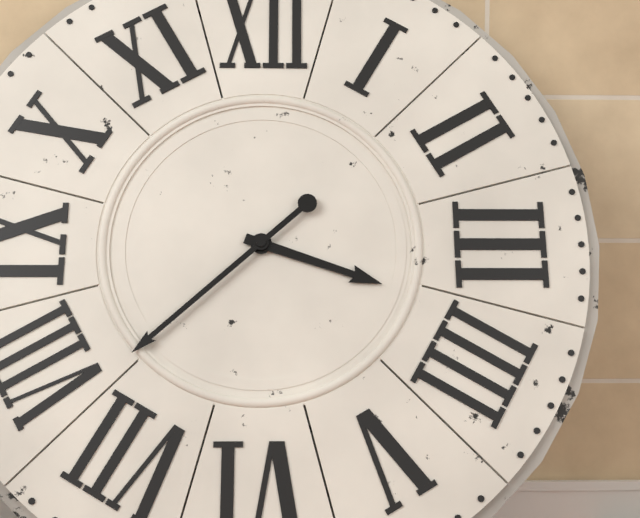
{"hour": 3, "minute": 38}
